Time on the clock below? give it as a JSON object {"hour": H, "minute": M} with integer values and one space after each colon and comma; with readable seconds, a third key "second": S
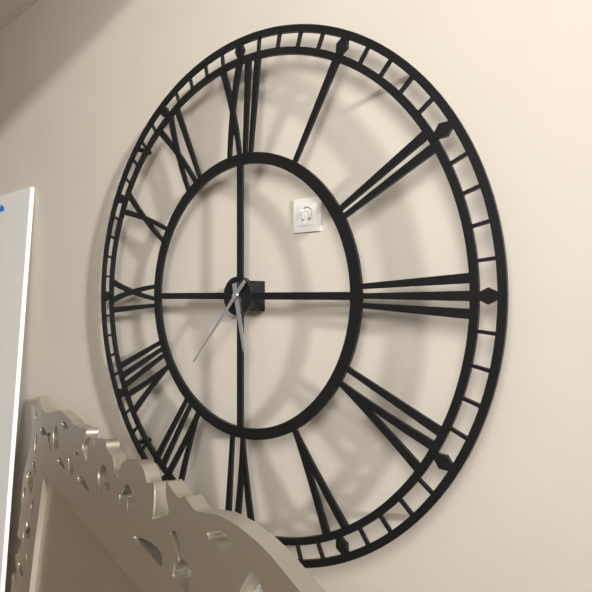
{"hour": 5, "minute": 37}
